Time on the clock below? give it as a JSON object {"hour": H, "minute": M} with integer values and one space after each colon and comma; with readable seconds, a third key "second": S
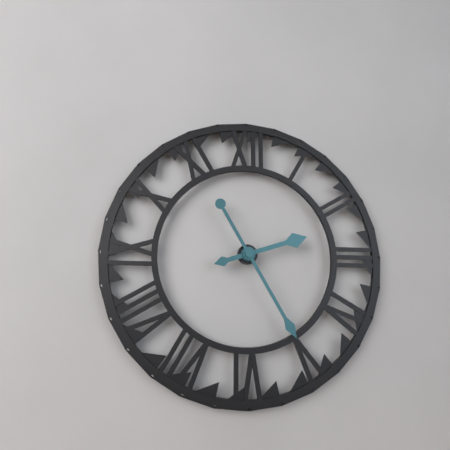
{"hour": 2, "minute": 25}
